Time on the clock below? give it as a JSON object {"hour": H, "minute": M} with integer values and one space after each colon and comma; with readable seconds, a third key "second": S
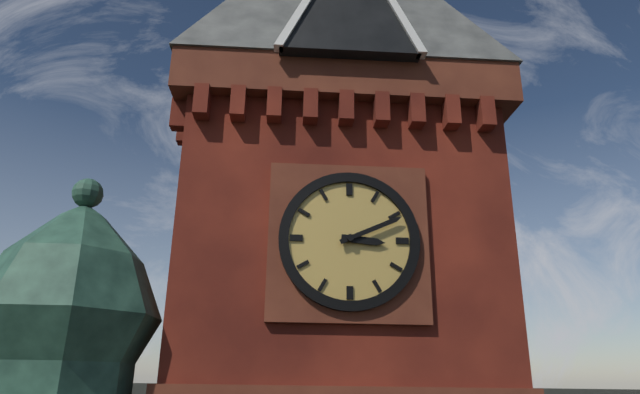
{"hour": 3, "minute": 11}
